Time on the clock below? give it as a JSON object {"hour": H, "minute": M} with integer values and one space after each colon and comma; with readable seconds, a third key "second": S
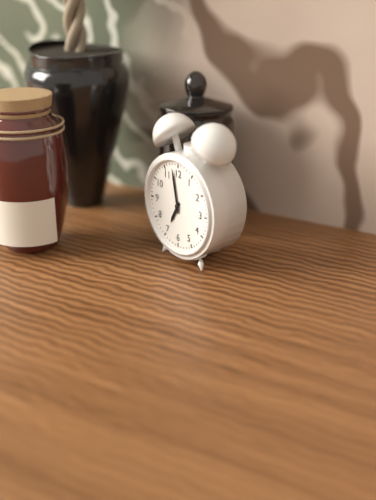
{"hour": 6, "minute": 58}
